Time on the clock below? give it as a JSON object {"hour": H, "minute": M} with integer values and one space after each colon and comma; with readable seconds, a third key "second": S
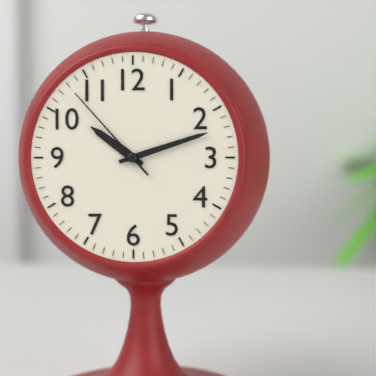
{"hour": 10, "minute": 12, "second": 53}
